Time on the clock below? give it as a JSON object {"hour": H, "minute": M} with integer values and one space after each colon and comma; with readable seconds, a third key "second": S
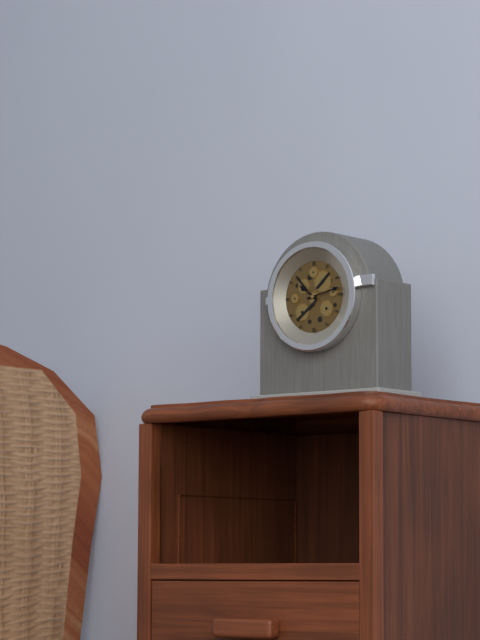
{"hour": 10, "minute": 13}
